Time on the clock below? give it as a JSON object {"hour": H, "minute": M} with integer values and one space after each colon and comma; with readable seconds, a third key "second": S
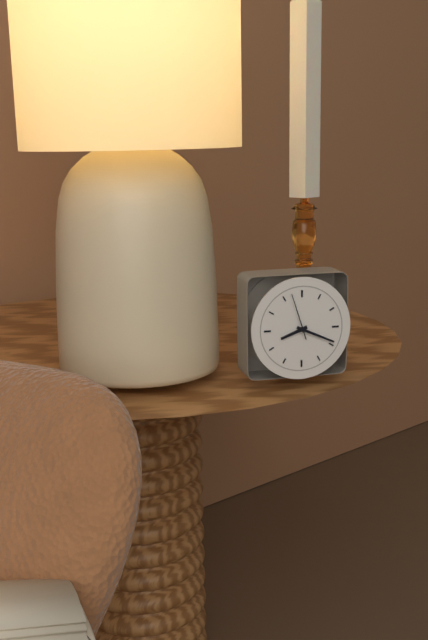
{"hour": 8, "minute": 19}
